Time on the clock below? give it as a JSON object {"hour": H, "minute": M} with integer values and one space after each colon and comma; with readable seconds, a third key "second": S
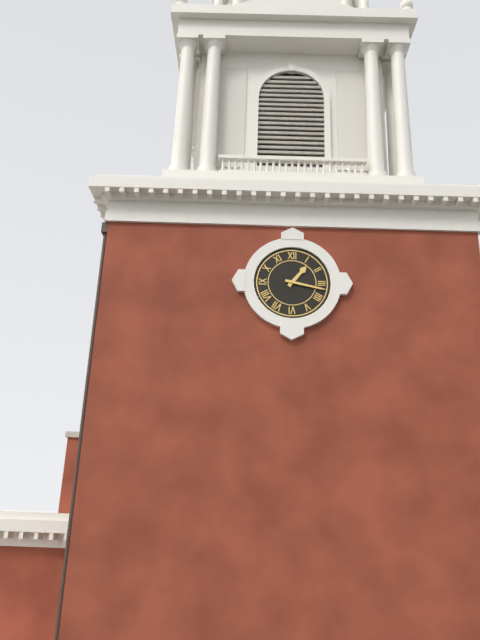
{"hour": 1, "minute": 17}
